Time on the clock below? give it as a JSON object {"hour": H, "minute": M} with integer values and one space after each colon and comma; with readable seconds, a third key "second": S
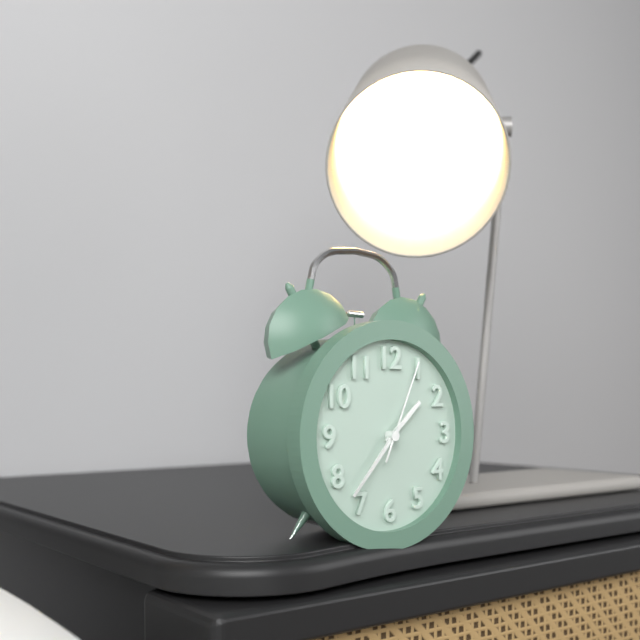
{"hour": 1, "minute": 37, "second": 4}
